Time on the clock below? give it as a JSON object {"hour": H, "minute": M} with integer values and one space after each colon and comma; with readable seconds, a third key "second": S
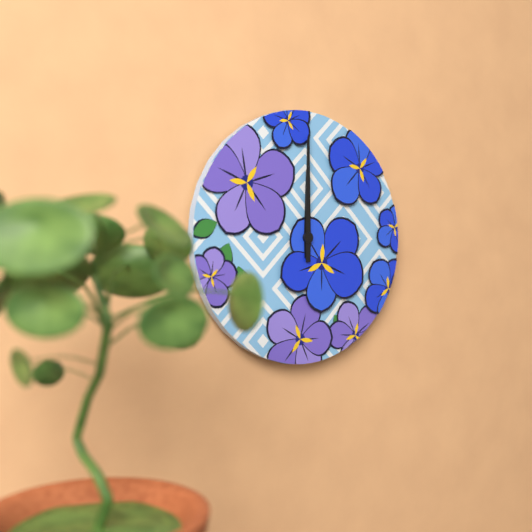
{"hour": 12, "minute": 0}
